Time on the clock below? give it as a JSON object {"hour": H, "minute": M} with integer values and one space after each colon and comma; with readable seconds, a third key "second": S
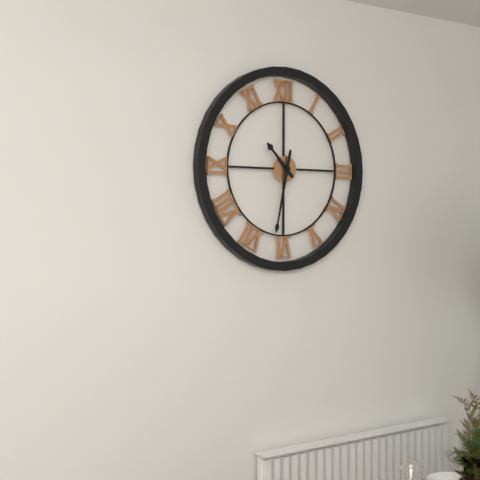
{"hour": 10, "minute": 32}
